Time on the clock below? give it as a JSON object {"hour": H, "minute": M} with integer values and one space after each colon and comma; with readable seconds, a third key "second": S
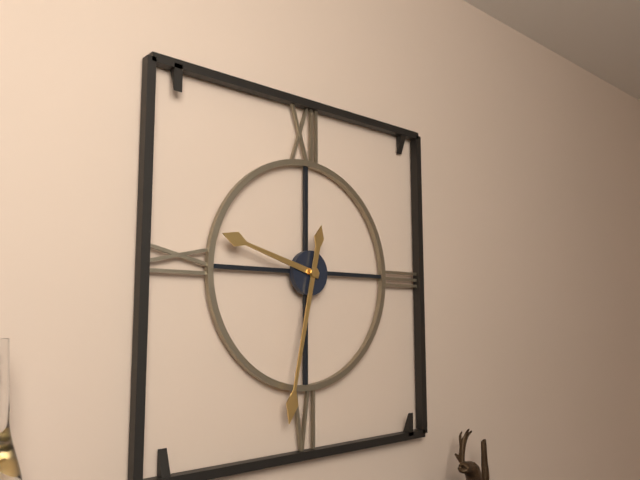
{"hour": 9, "minute": 32}
